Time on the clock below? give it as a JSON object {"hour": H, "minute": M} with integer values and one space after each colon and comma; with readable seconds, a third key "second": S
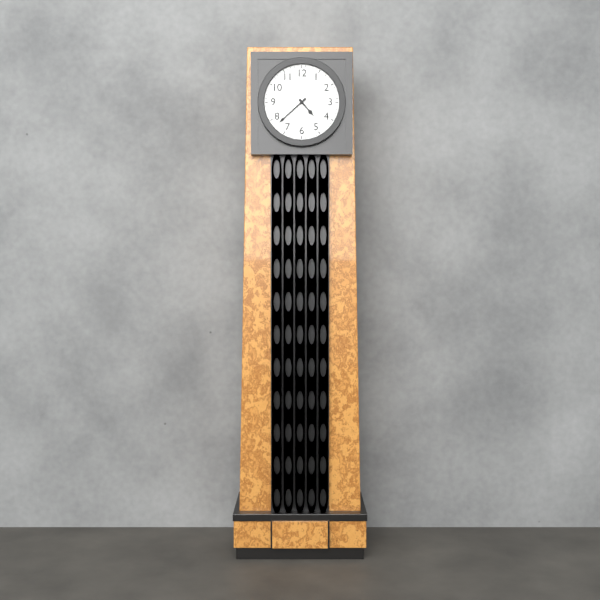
{"hour": 4, "minute": 38}
